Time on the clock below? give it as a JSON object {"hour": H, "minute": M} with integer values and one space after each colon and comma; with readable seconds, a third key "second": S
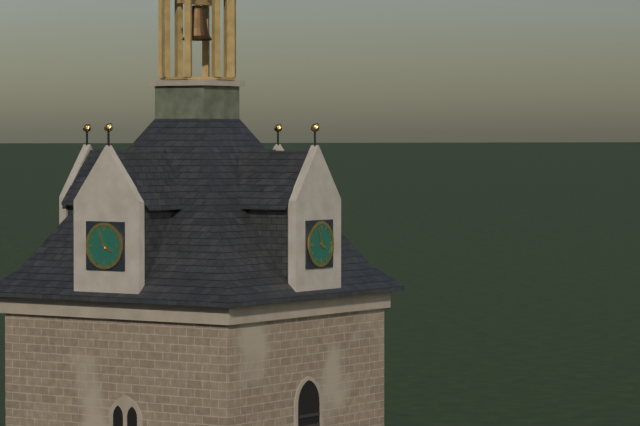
{"hour": 3, "minute": 57}
